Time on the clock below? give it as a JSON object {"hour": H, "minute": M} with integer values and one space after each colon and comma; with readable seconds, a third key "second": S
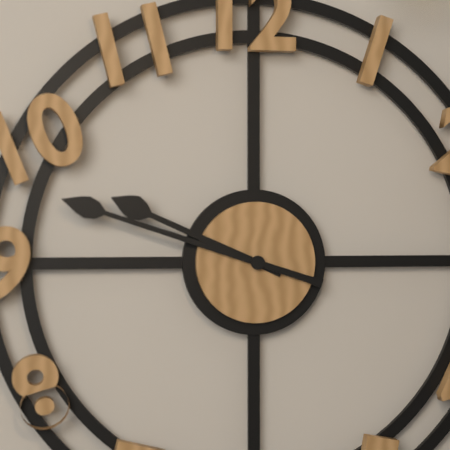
{"hour": 9, "minute": 48}
